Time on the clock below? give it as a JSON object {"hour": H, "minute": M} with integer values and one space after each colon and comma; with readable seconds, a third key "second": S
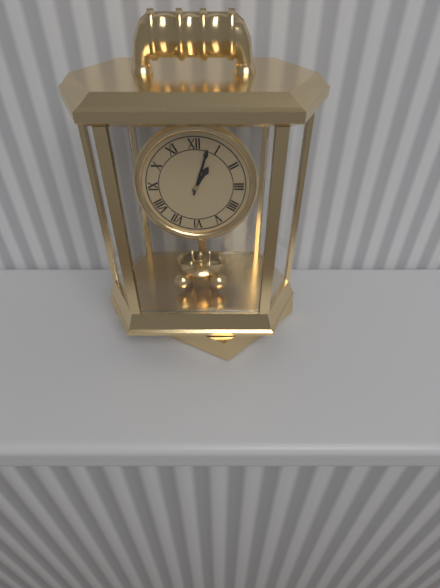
{"hour": 1, "minute": 3}
